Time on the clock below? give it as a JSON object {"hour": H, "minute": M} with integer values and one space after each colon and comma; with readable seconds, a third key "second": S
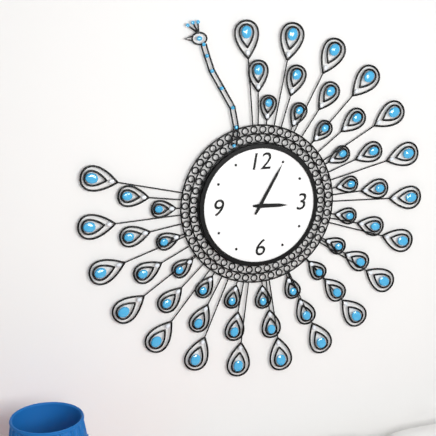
{"hour": 3, "minute": 5}
